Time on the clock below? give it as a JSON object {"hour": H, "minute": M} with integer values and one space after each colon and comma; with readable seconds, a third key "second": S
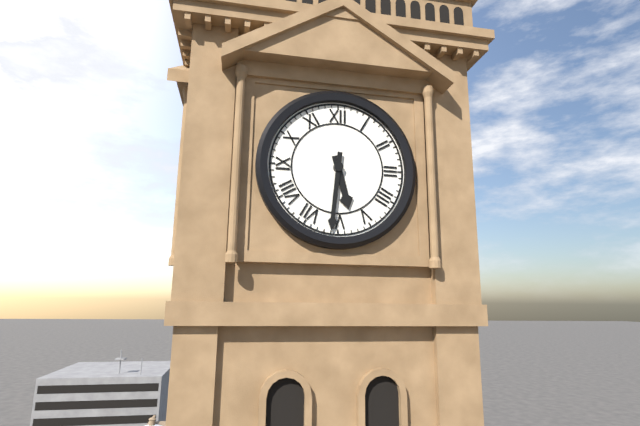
{"hour": 5, "minute": 31}
